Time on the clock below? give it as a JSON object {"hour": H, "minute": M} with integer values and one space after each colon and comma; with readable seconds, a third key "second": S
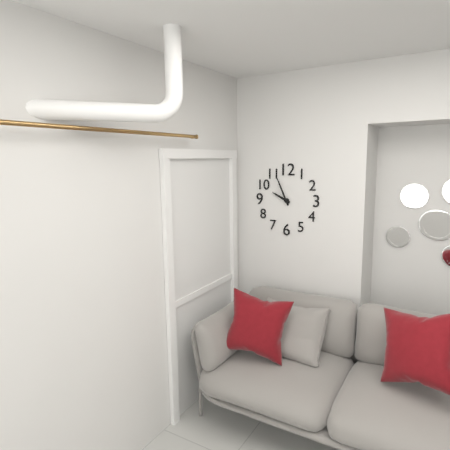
{"hour": 9, "minute": 56}
